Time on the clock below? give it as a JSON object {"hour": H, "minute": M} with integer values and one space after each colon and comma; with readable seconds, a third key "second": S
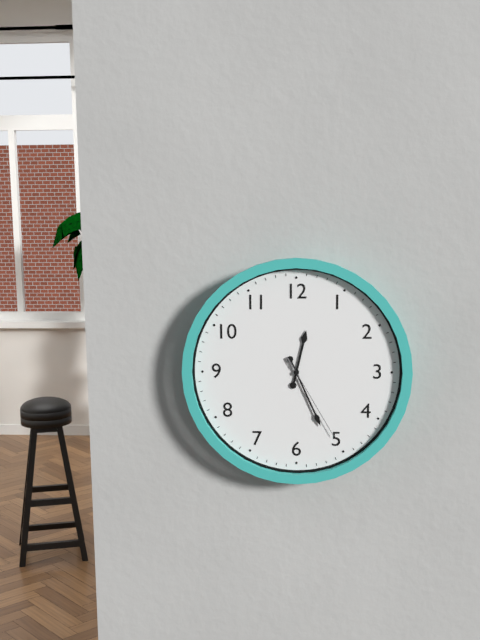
{"hour": 12, "minute": 26, "second": 25}
